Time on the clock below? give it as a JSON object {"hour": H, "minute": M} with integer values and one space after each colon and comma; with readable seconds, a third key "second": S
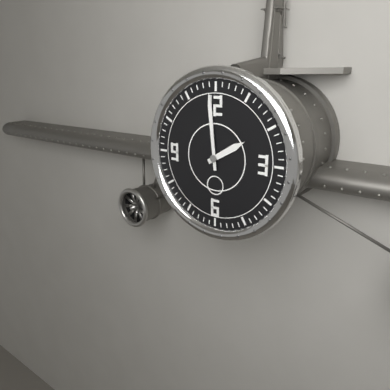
{"hour": 1, "minute": 59}
